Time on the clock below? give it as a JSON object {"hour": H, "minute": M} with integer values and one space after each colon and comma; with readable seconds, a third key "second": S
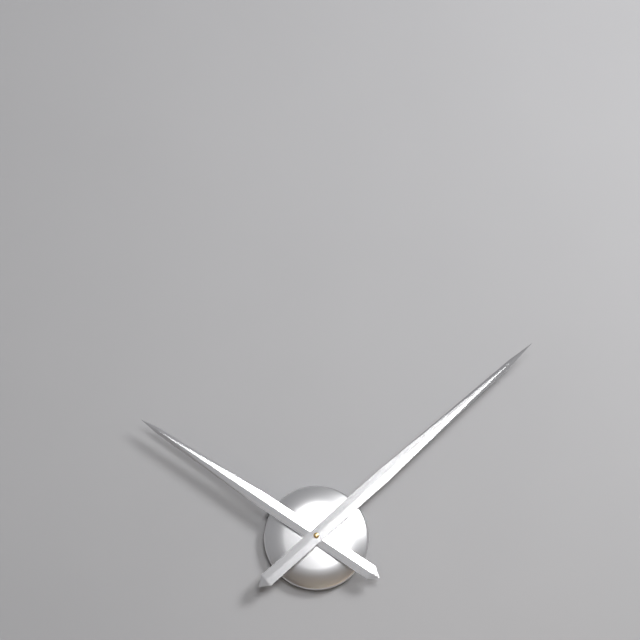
{"hour": 10, "minute": 8}
